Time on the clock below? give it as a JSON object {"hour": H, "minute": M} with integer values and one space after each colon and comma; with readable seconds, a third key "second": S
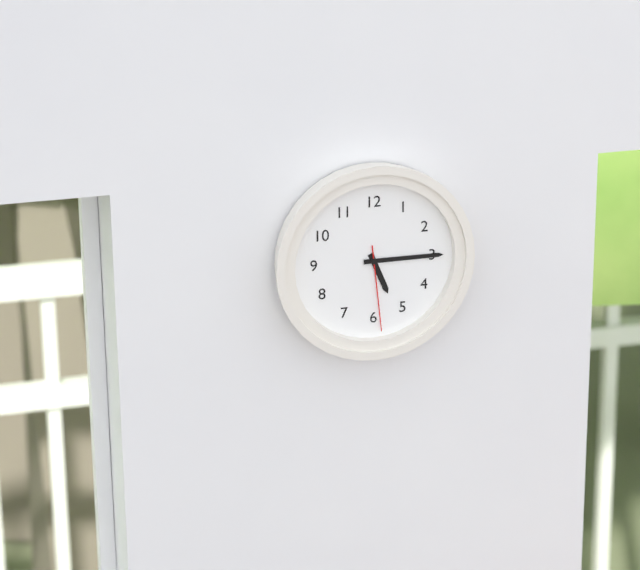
{"hour": 5, "minute": 15, "second": 29}
